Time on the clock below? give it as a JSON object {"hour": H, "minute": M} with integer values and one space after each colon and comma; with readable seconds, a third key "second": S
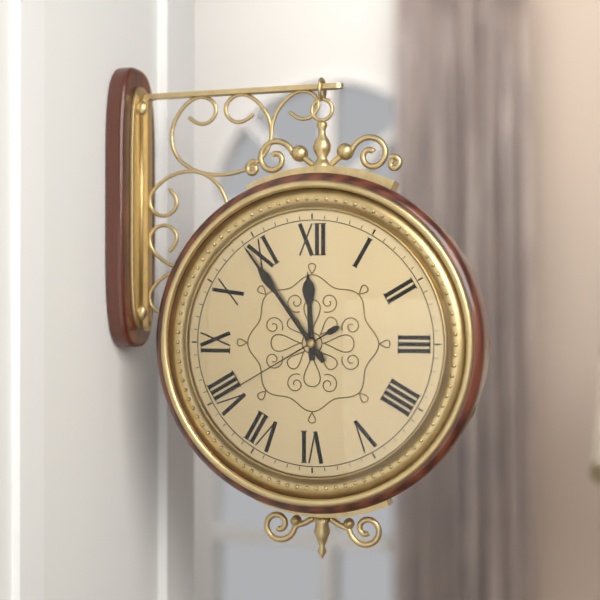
{"hour": 11, "minute": 54, "second": 40}
